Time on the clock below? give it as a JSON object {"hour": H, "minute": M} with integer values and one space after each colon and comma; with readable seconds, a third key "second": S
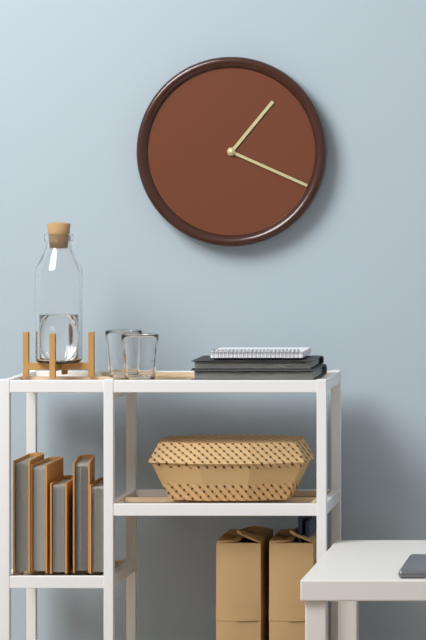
{"hour": 1, "minute": 19}
